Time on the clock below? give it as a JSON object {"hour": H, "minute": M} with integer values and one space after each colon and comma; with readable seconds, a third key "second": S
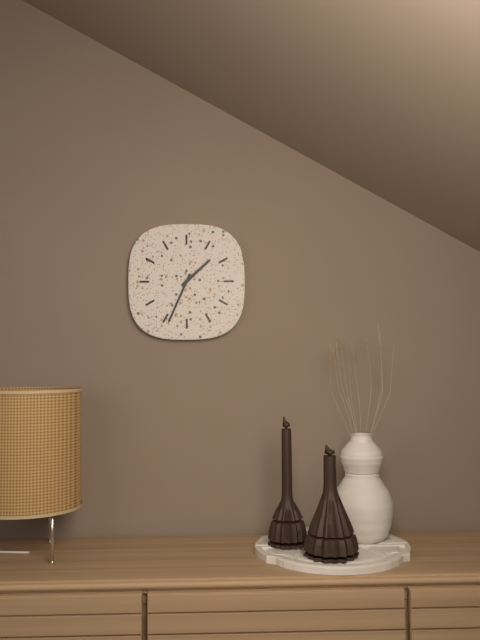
{"hour": 1, "minute": 34}
